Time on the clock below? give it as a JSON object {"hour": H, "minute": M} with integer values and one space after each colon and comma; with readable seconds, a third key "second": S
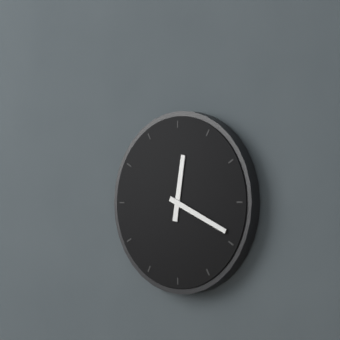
{"hour": 12, "minute": 19}
